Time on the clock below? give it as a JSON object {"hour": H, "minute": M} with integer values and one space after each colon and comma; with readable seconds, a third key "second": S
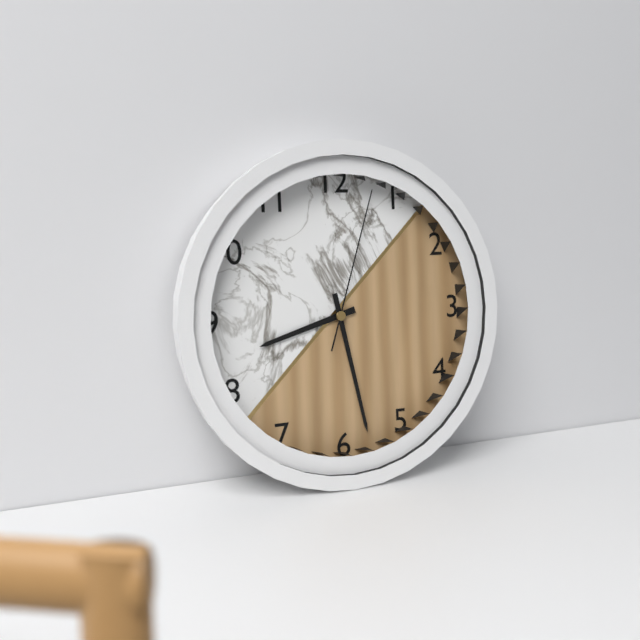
{"hour": 8, "minute": 28, "second": 3}
